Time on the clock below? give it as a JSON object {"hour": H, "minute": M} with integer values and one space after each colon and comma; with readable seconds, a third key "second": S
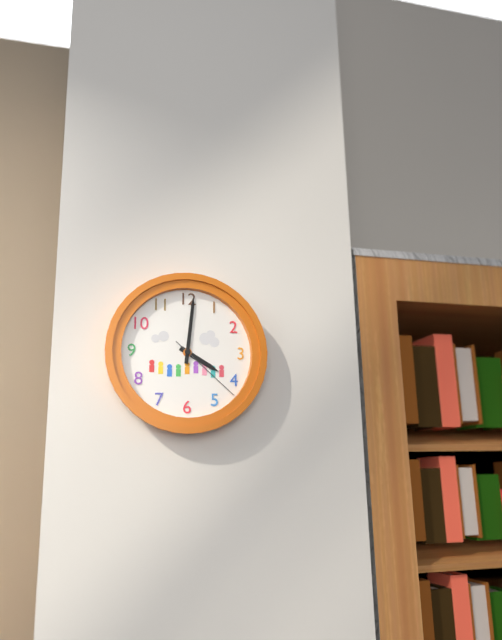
{"hour": 4, "minute": 1, "second": 22}
